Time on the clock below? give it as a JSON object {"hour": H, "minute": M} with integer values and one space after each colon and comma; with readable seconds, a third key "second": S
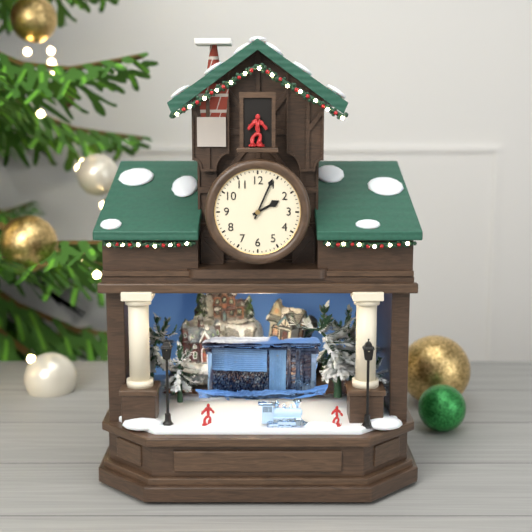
{"hour": 2, "minute": 4}
